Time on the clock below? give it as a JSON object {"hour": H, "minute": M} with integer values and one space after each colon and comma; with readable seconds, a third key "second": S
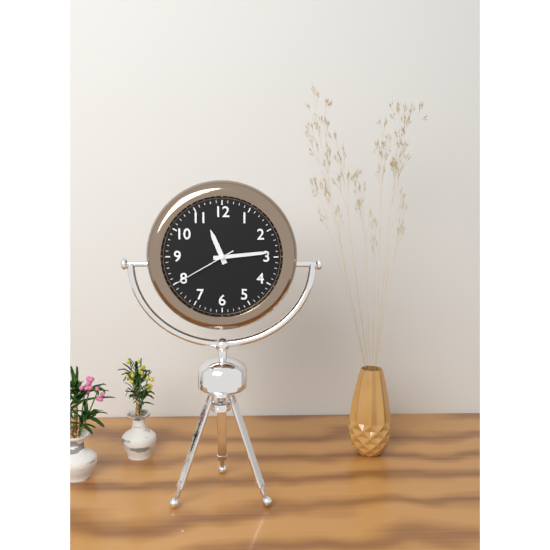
{"hour": 11, "minute": 14, "second": 40}
